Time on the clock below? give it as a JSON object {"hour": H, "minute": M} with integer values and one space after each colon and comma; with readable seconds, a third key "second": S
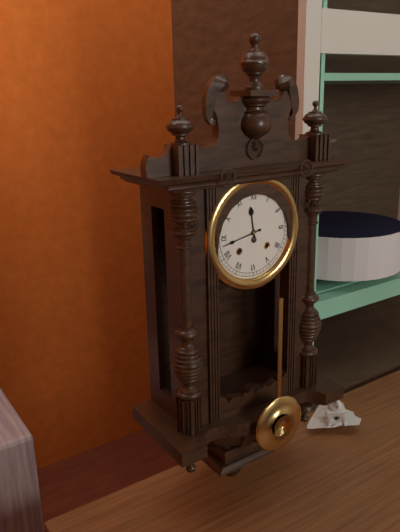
{"hour": 11, "minute": 43}
